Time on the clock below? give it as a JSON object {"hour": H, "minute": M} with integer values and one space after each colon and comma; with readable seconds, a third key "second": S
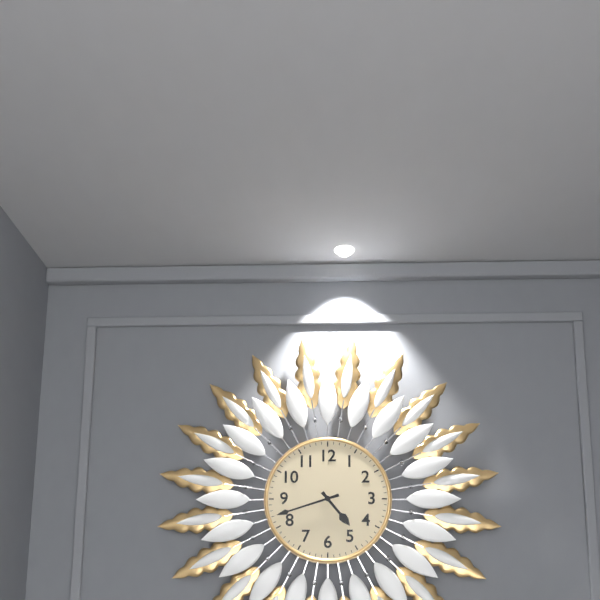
{"hour": 4, "minute": 42}
